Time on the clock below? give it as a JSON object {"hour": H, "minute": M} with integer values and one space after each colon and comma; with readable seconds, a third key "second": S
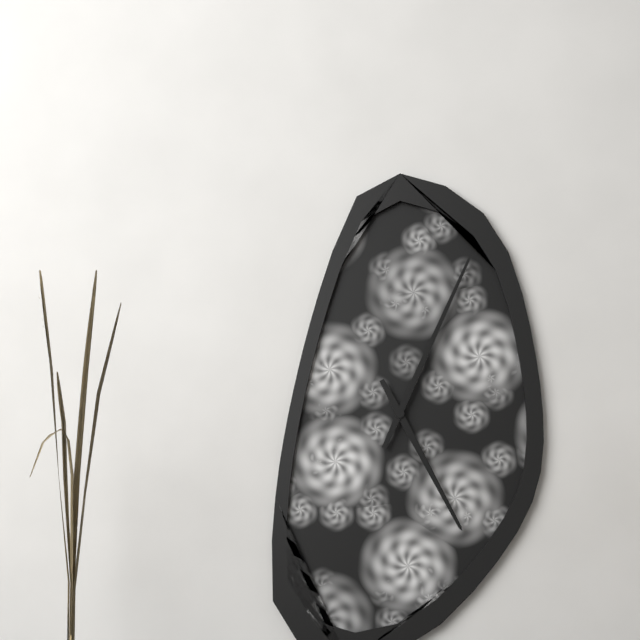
{"hour": 5, "minute": 4}
